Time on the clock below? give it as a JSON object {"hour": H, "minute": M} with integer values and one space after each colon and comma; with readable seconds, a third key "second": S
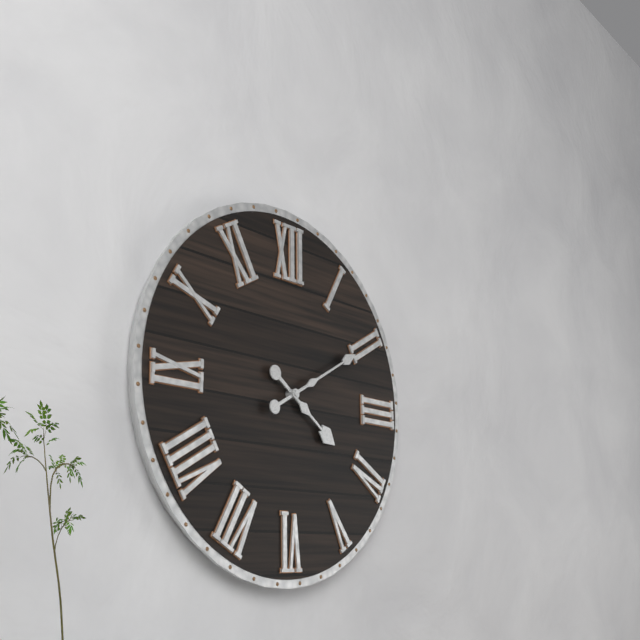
{"hour": 4, "minute": 10}
